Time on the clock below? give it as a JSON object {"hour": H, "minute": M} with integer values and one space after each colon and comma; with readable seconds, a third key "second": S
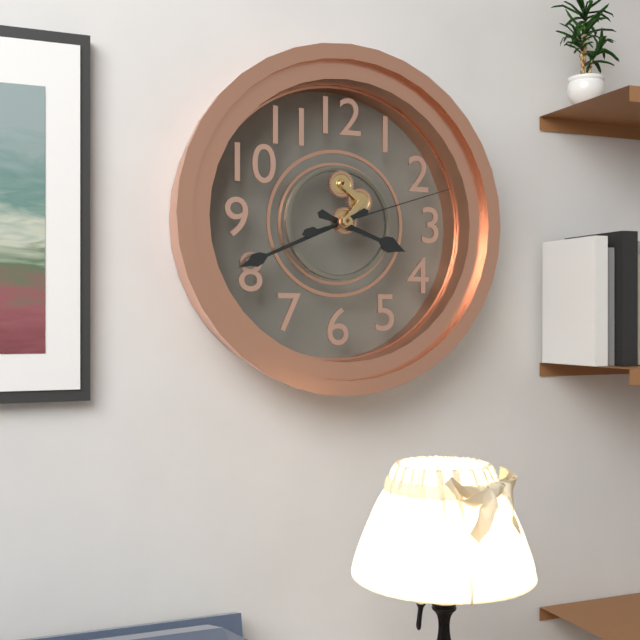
{"hour": 3, "minute": 41, "second": 12}
